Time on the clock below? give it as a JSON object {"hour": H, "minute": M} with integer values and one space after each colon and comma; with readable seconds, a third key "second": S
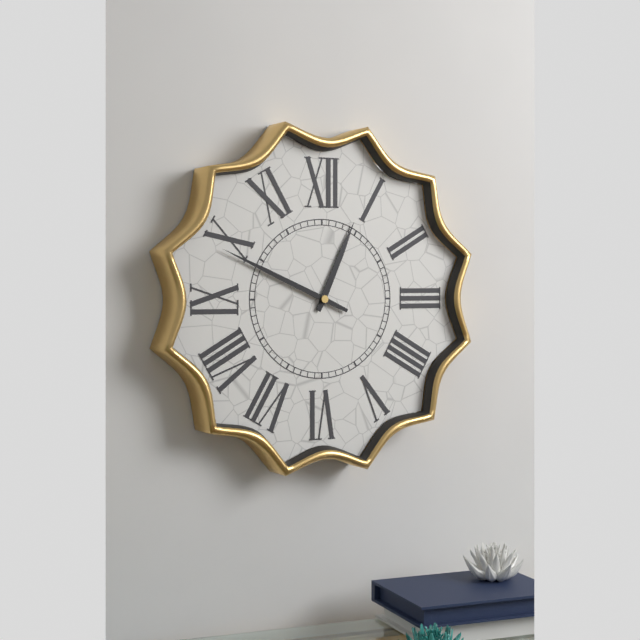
{"hour": 12, "minute": 49}
